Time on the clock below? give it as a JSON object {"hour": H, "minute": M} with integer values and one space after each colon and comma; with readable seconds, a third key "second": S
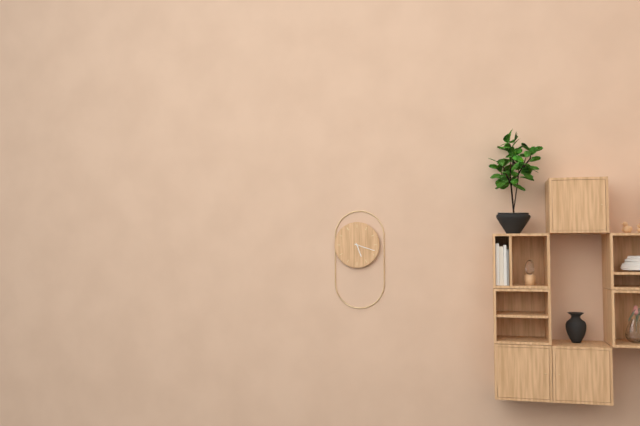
{"hour": 5, "minute": 18}
